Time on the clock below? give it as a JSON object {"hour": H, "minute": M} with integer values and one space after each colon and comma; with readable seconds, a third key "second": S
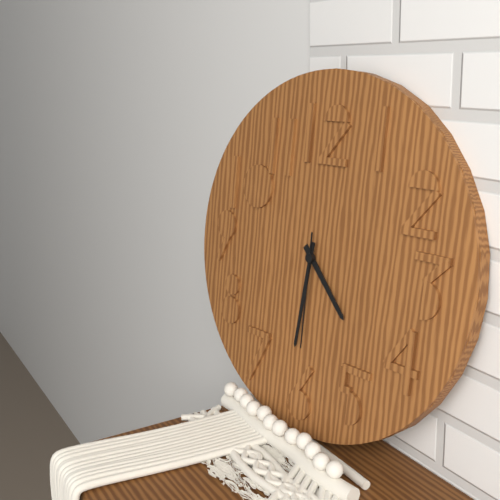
{"hour": 4, "minute": 31, "second": 30}
